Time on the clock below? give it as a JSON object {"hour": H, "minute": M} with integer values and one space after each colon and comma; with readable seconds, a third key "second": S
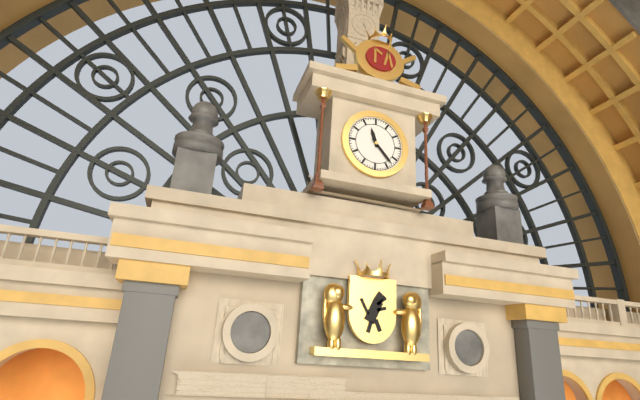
{"hour": 11, "minute": 23}
